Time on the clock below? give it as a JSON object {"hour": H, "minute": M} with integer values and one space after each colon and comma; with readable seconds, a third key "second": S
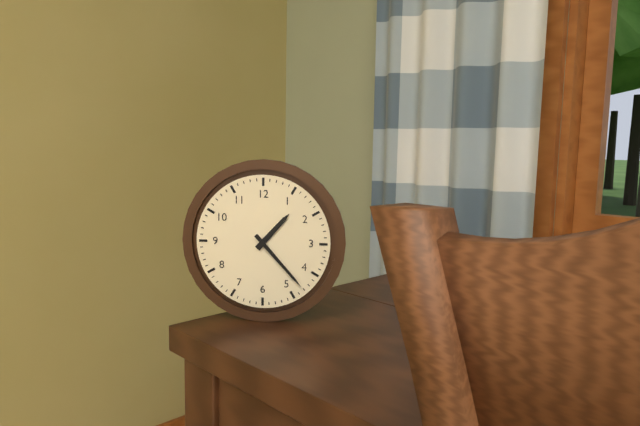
{"hour": 1, "minute": 23}
